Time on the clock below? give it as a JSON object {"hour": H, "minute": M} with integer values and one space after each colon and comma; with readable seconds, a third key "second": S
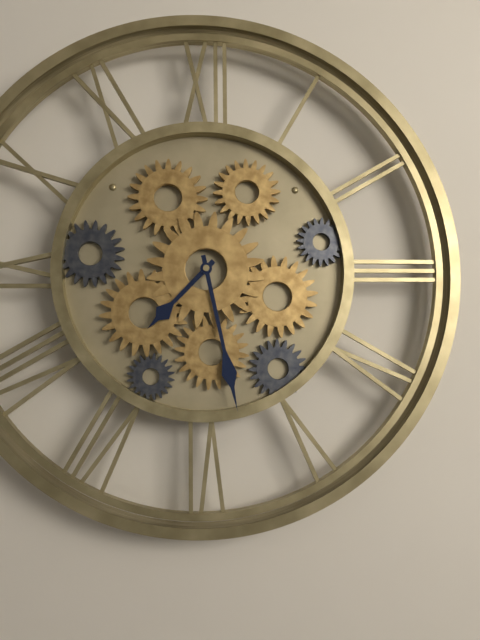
{"hour": 7, "minute": 28}
